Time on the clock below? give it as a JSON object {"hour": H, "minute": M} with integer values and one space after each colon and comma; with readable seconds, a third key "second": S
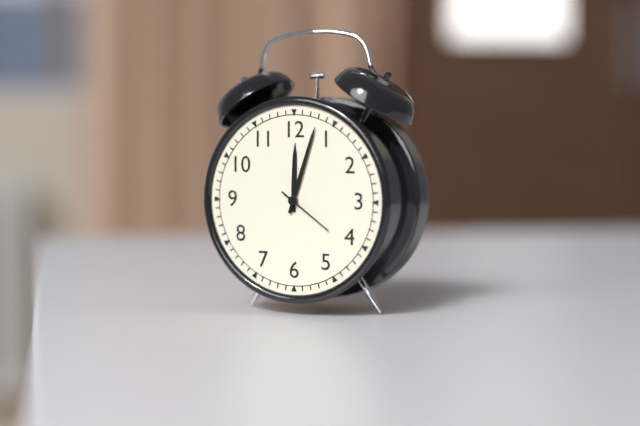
{"hour": 12, "minute": 3, "second": 21}
